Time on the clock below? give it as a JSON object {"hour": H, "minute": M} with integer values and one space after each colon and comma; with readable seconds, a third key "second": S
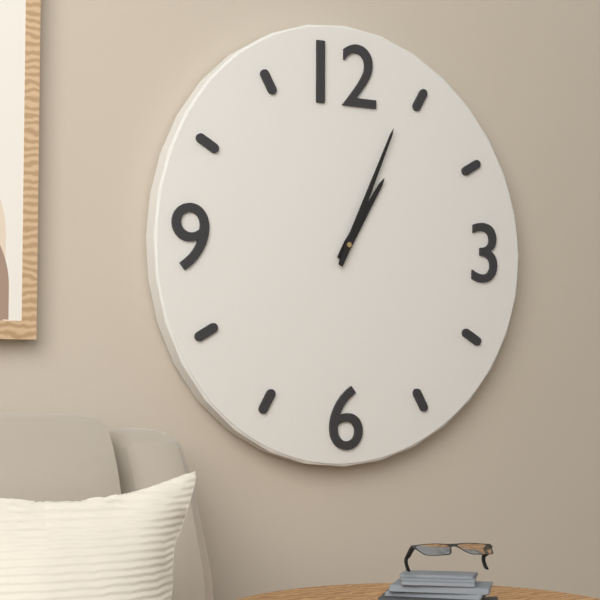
{"hour": 1, "minute": 4}
